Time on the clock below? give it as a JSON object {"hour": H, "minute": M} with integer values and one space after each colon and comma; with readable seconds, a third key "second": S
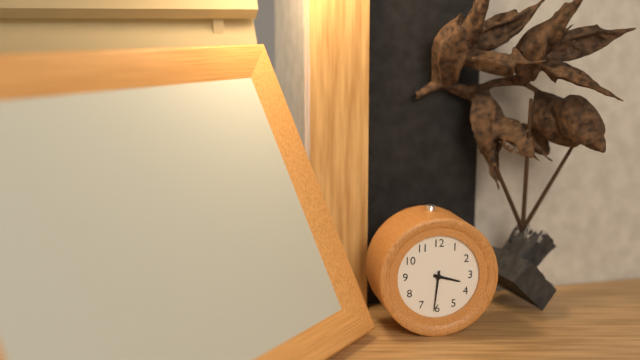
{"hour": 3, "minute": 31}
